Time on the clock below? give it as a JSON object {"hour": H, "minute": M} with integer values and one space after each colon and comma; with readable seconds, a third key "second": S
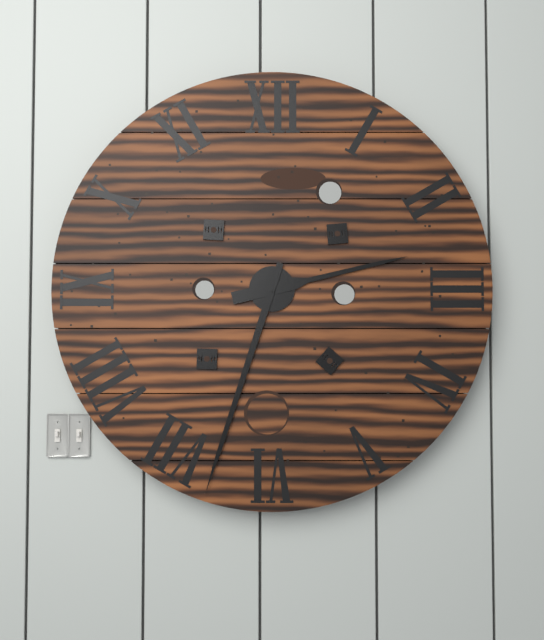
{"hour": 2, "minute": 33}
